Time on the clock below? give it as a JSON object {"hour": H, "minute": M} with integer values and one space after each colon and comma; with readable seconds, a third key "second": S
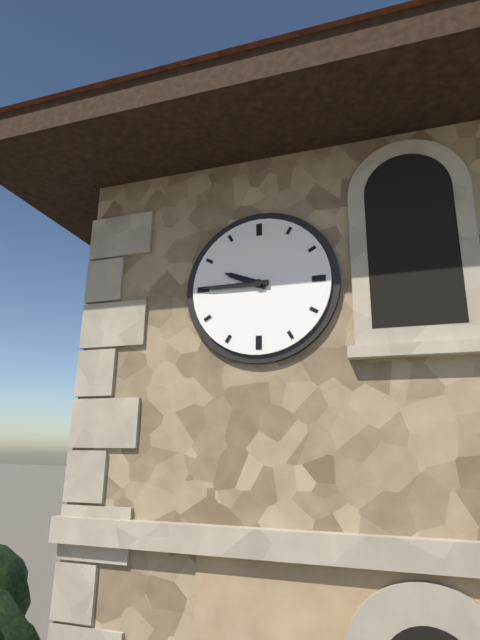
{"hour": 9, "minute": 45}
